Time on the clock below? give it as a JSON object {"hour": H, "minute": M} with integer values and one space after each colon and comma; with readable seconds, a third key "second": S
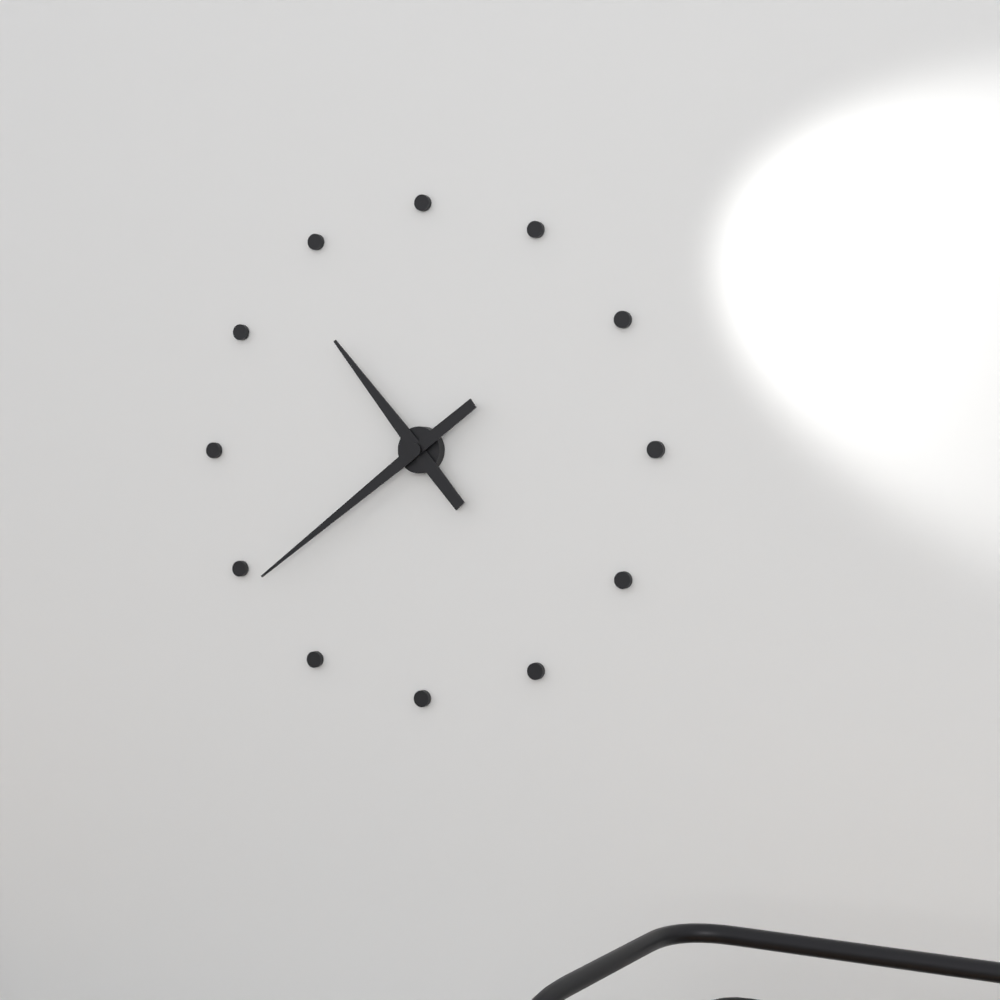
{"hour": 10, "minute": 39}
